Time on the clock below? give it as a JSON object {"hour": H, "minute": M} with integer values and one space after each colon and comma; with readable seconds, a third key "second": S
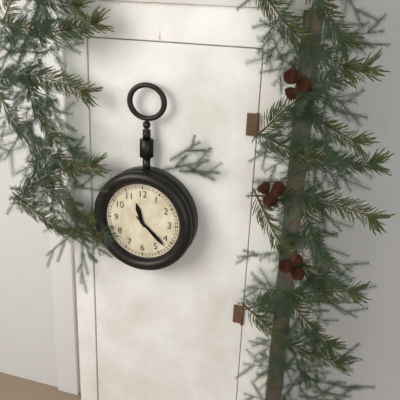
{"hour": 11, "minute": 22}
